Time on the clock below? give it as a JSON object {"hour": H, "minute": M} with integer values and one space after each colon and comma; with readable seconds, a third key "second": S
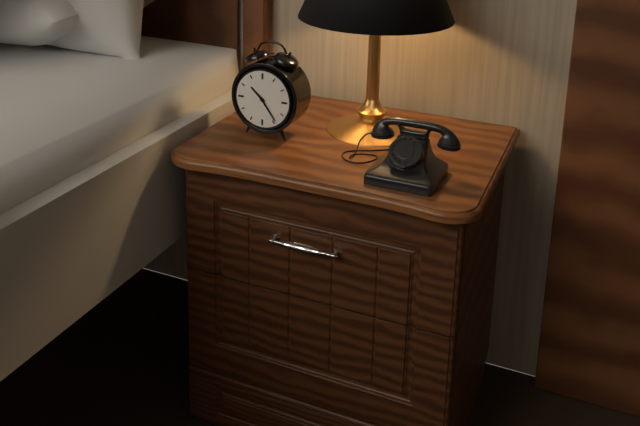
{"hour": 10, "minute": 24}
